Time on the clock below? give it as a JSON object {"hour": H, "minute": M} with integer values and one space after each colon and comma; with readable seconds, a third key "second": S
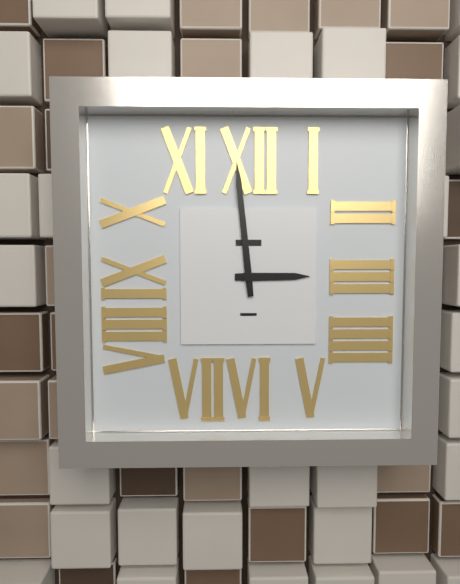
{"hour": 2, "minute": 59}
